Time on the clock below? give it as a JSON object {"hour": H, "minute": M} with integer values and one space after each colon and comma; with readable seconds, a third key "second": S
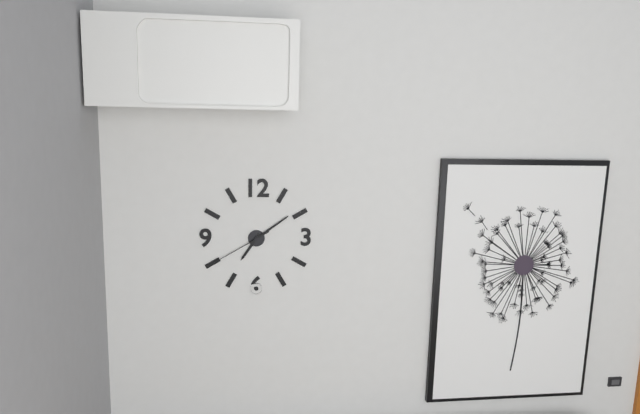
{"hour": 7, "minute": 9, "second": 40}
